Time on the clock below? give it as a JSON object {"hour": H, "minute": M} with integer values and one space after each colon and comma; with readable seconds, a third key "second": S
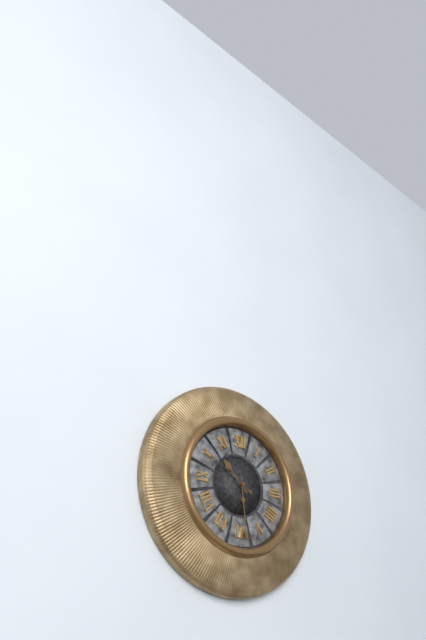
{"hour": 10, "minute": 29, "second": 50}
